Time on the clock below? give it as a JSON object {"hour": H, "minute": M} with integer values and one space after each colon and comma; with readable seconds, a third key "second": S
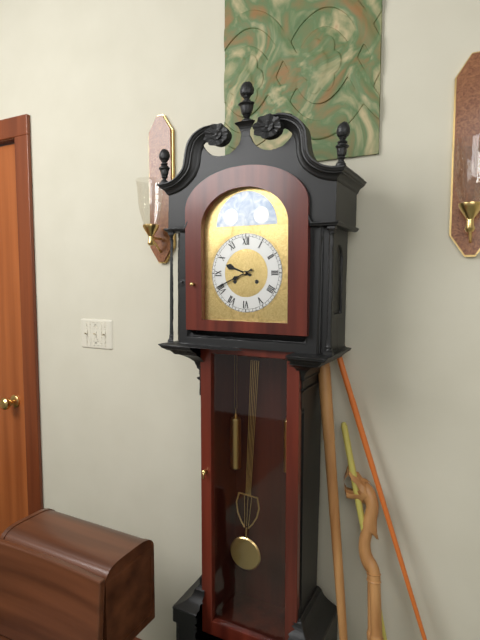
{"hour": 9, "minute": 41}
